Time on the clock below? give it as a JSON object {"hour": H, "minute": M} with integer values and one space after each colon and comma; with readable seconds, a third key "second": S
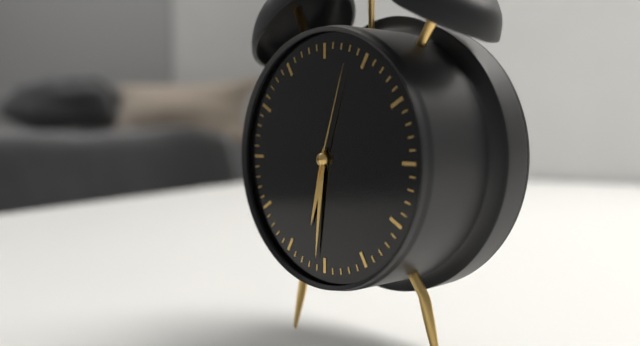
{"hour": 6, "minute": 31, "second": 3}
